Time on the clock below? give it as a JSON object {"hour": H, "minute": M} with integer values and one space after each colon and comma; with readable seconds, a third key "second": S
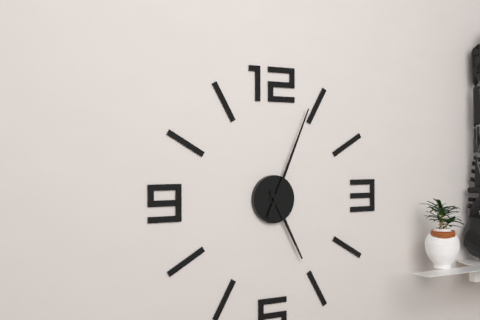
{"hour": 5, "minute": 4}
